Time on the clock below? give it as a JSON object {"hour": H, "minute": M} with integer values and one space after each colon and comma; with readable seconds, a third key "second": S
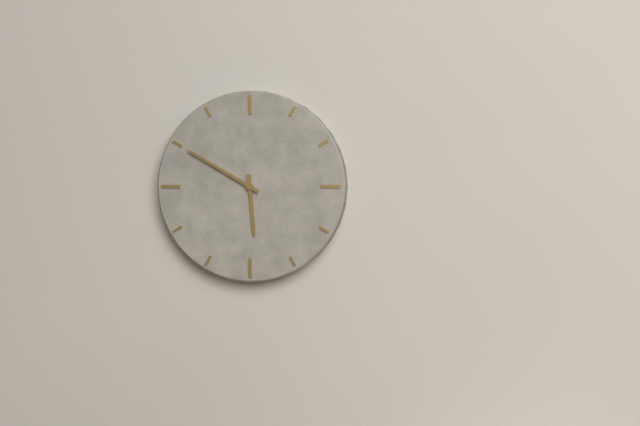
{"hour": 5, "minute": 50}
